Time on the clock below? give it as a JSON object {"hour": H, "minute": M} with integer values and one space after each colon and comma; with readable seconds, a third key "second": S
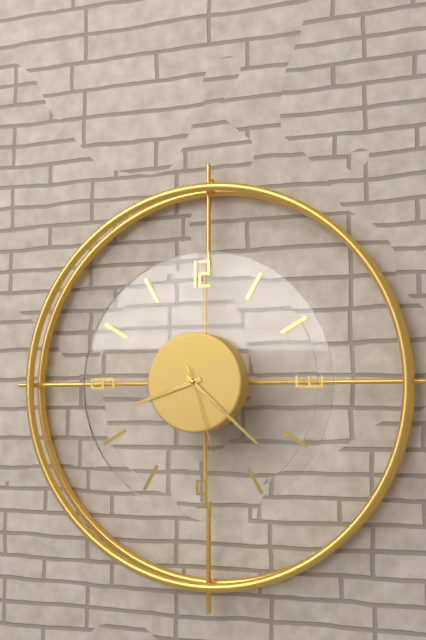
{"hour": 8, "minute": 22, "second": 27}
